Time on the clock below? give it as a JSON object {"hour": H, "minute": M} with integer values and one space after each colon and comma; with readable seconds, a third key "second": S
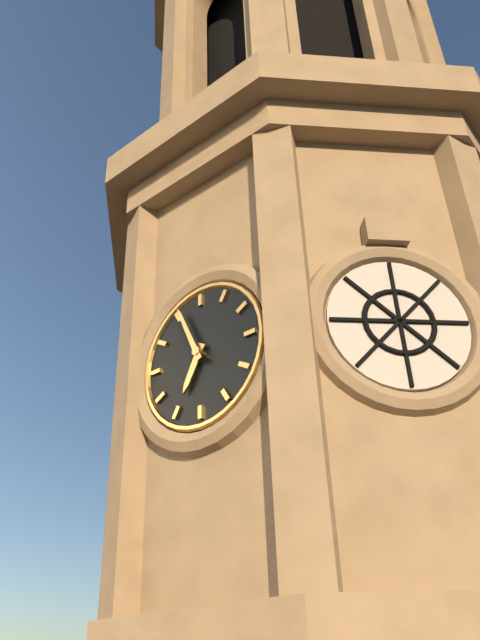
{"hour": 6, "minute": 56}
